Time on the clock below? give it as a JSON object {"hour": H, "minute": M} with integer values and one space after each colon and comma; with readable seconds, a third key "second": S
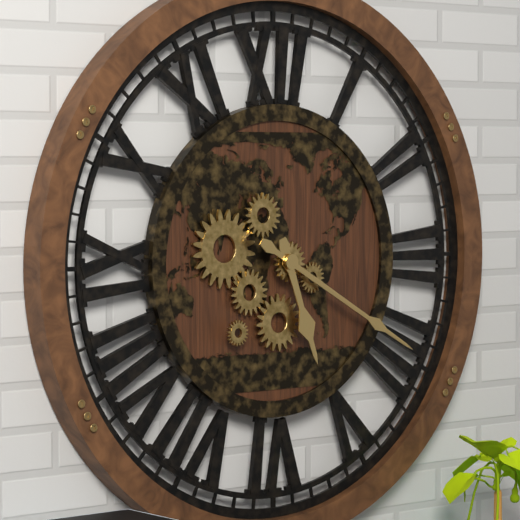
{"hour": 5, "minute": 20}
